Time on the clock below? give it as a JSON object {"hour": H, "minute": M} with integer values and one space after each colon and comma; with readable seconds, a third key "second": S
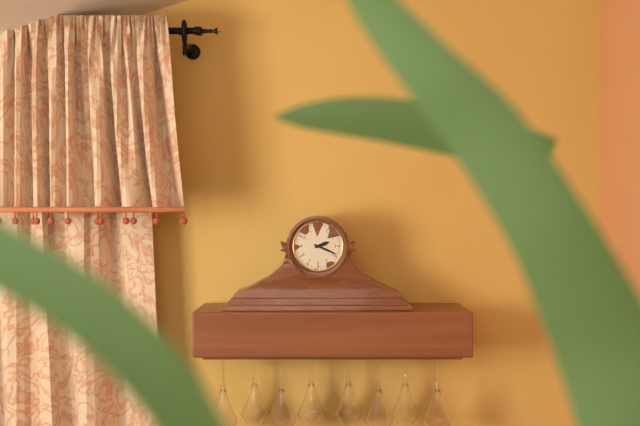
{"hour": 2, "minute": 19}
